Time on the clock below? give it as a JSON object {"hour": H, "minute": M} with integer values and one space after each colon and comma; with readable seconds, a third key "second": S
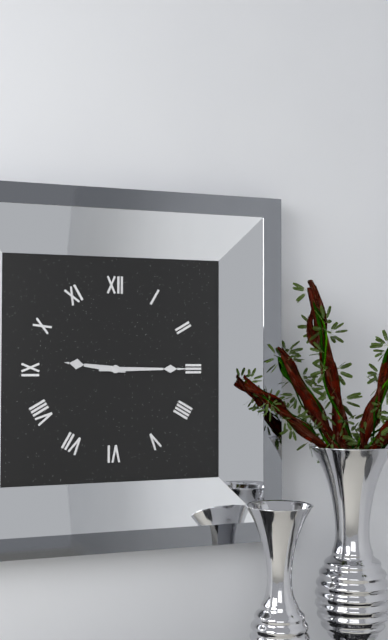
{"hour": 9, "minute": 15}
